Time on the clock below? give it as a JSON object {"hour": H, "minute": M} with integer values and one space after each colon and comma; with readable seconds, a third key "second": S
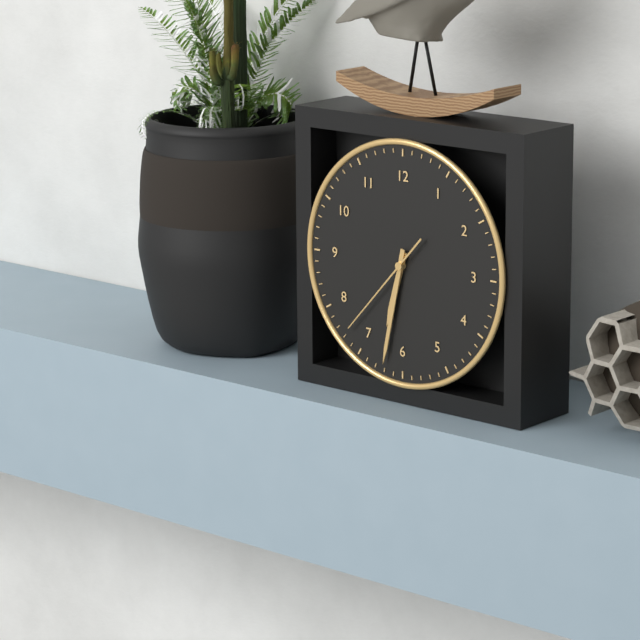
{"hour": 6, "minute": 32, "second": 37}
